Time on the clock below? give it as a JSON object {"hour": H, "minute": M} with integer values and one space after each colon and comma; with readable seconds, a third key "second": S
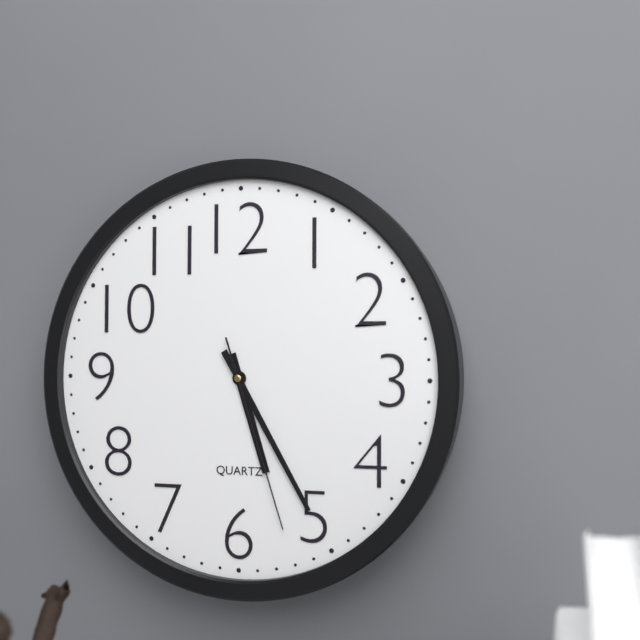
{"hour": 5, "minute": 25, "second": 27}
